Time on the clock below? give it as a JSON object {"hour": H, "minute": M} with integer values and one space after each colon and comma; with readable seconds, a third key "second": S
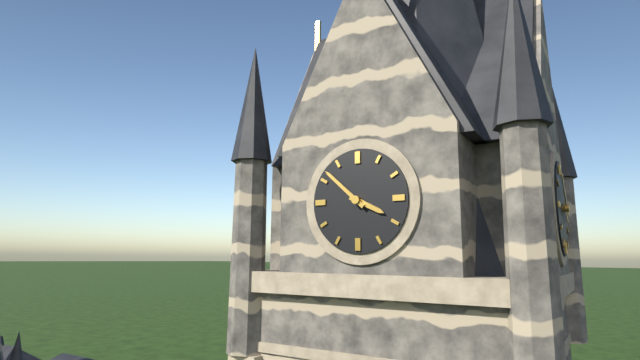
{"hour": 3, "minute": 52}
